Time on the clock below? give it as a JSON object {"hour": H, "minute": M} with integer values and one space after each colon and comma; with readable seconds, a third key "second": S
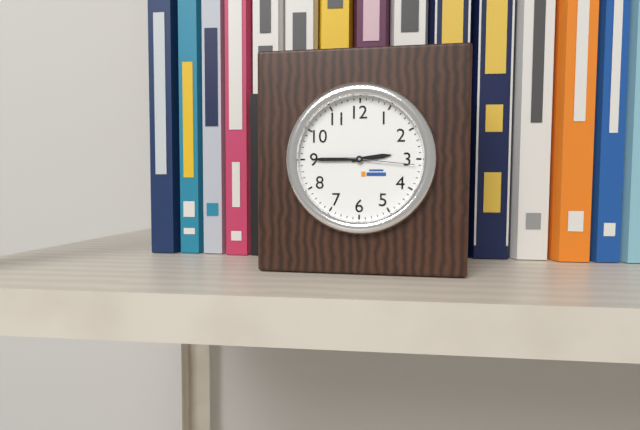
{"hour": 2, "minute": 45, "second": 16}
